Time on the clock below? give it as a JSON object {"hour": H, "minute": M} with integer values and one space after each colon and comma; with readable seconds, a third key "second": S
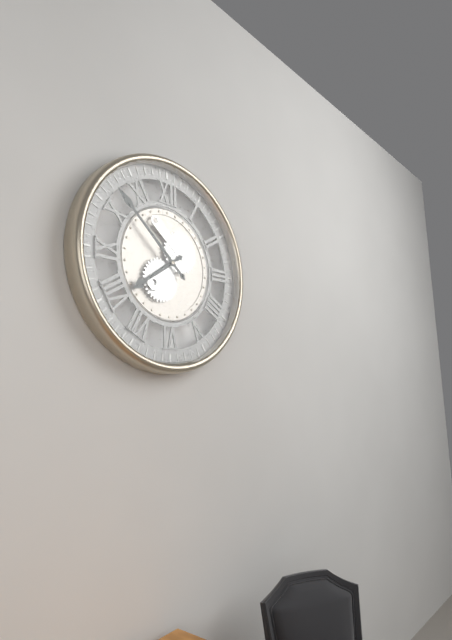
{"hour": 7, "minute": 52}
